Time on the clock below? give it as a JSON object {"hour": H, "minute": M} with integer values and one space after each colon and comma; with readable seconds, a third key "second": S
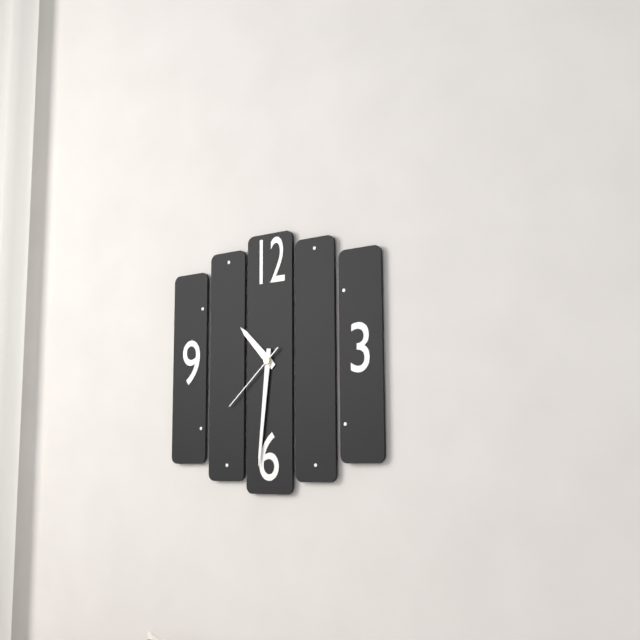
{"hour": 10, "minute": 31, "second": 38}
